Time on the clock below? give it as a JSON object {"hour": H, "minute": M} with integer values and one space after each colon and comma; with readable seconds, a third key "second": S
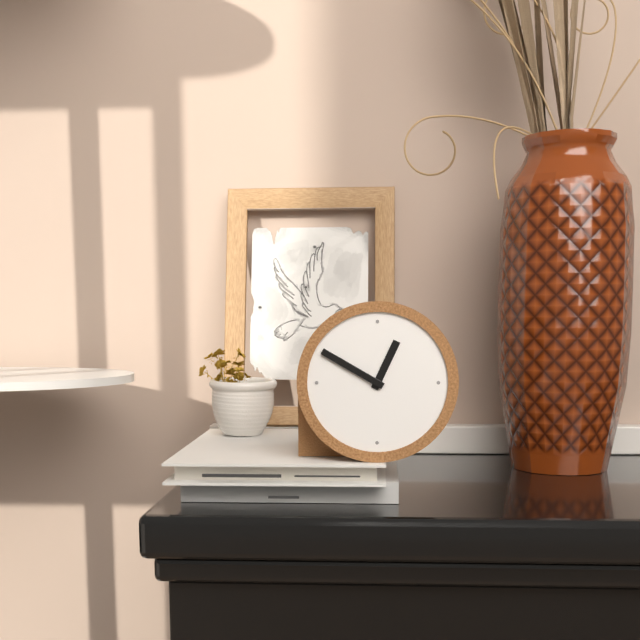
{"hour": 12, "minute": 50}
